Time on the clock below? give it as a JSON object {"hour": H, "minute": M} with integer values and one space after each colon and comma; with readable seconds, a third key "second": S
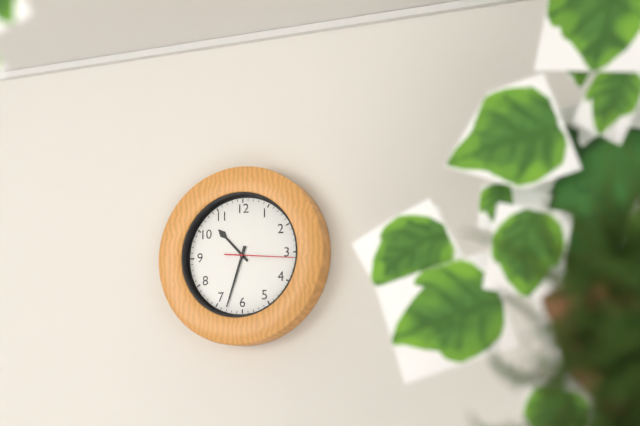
{"hour": 10, "minute": 33, "second": 16}
